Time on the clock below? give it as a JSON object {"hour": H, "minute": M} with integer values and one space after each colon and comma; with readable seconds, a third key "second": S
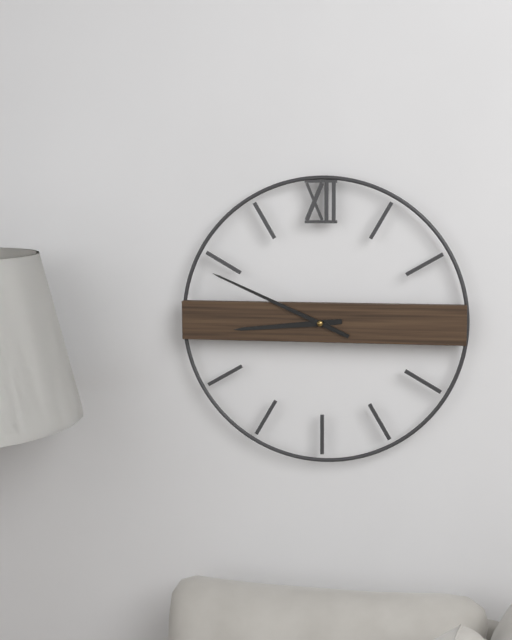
{"hour": 8, "minute": 49}
